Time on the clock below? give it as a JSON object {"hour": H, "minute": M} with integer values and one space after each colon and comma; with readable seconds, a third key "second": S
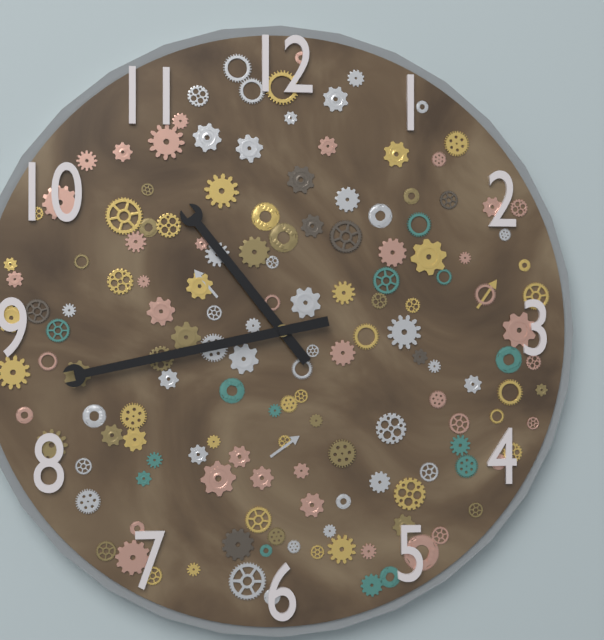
{"hour": 10, "minute": 43}
